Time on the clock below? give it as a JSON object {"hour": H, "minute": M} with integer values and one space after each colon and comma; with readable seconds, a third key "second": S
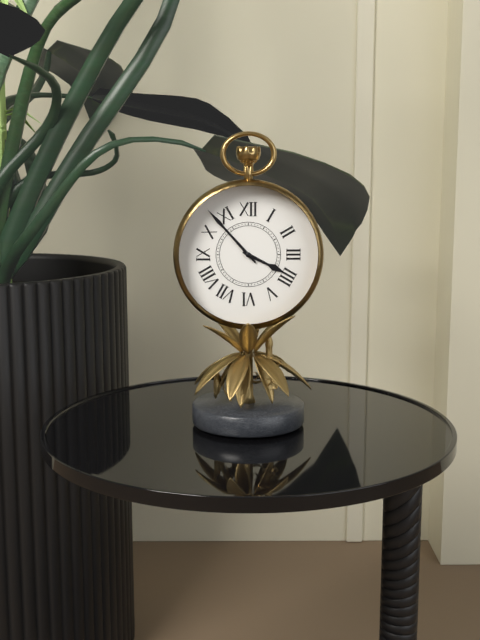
{"hour": 3, "minute": 53}
